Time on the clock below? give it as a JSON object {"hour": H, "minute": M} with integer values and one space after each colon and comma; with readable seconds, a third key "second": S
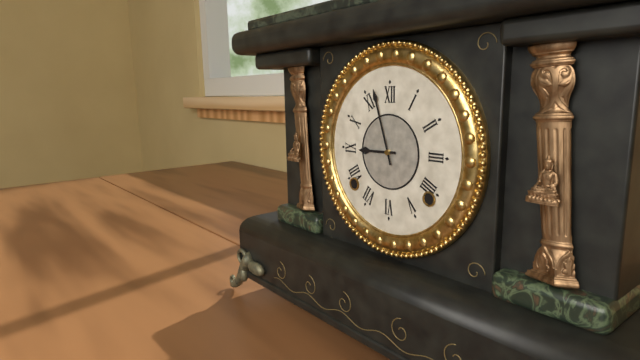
{"hour": 8, "minute": 57}
